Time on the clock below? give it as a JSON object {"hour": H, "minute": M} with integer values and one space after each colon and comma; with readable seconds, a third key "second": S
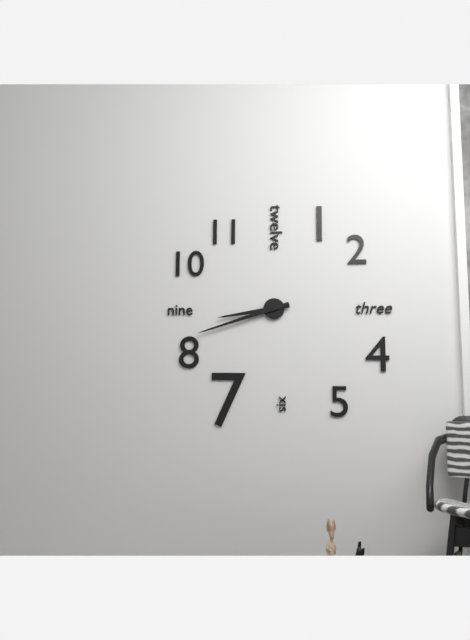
{"hour": 8, "minute": 42}
